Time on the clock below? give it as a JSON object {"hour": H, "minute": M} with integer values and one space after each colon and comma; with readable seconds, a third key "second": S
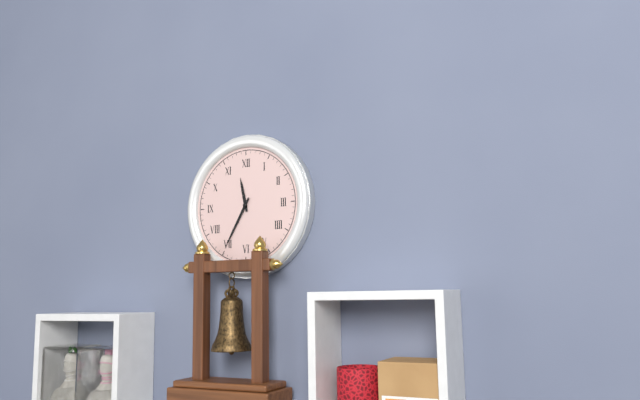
{"hour": 11, "minute": 35}
